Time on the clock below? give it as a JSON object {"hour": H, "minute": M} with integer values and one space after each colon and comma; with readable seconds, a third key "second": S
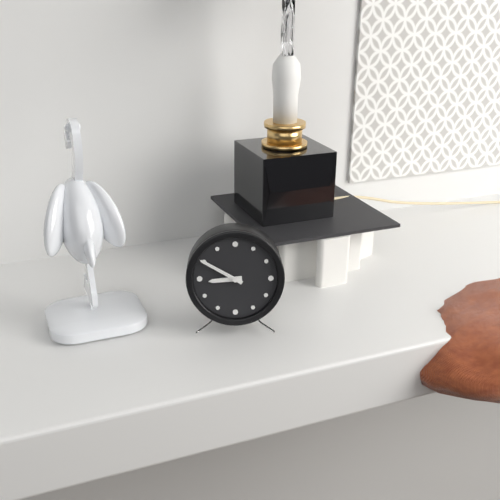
{"hour": 8, "minute": 50}
